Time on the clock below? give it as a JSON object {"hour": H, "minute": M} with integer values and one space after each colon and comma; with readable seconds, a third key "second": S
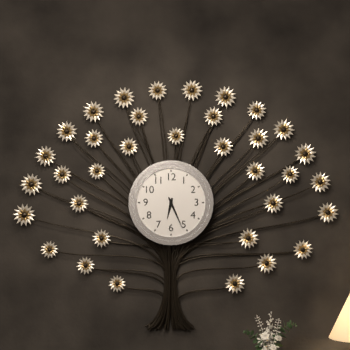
{"hour": 6, "minute": 26}
